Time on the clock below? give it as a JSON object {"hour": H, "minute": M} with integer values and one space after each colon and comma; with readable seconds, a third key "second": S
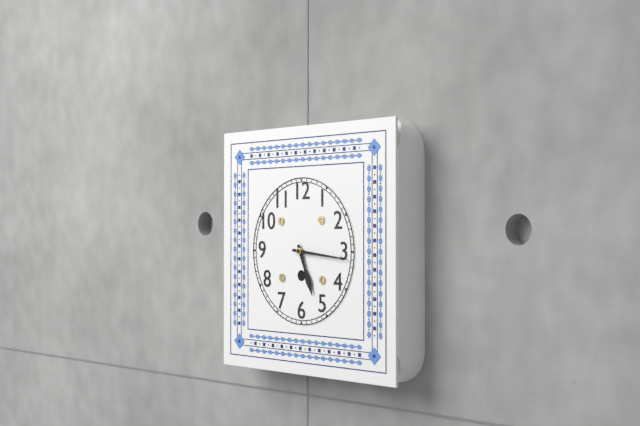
{"hour": 5, "minute": 16}
